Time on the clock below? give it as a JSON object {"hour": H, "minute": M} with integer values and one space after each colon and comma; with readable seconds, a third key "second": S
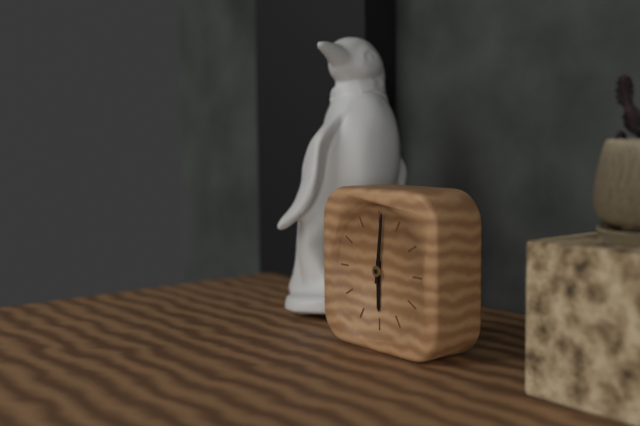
{"hour": 6, "minute": 1}
